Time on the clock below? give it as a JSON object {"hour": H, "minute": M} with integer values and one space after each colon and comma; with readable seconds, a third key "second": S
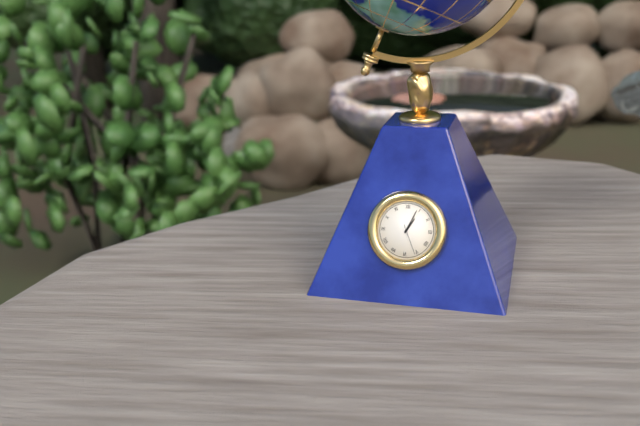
{"hour": 1, "minute": 4}
